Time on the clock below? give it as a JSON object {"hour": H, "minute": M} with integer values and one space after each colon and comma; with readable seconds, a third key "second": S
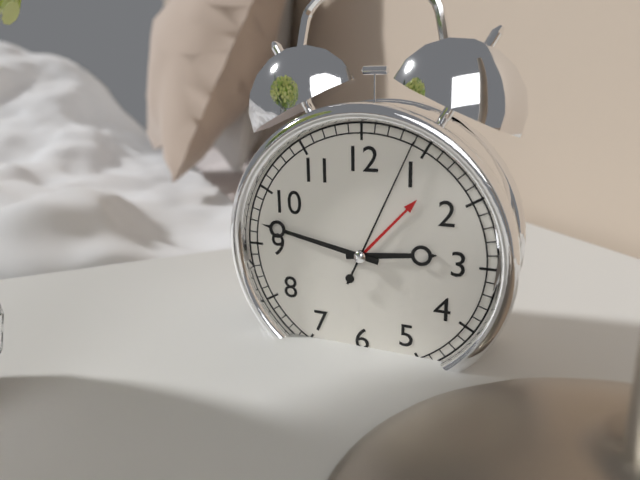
{"hour": 2, "minute": 47, "second": 4}
